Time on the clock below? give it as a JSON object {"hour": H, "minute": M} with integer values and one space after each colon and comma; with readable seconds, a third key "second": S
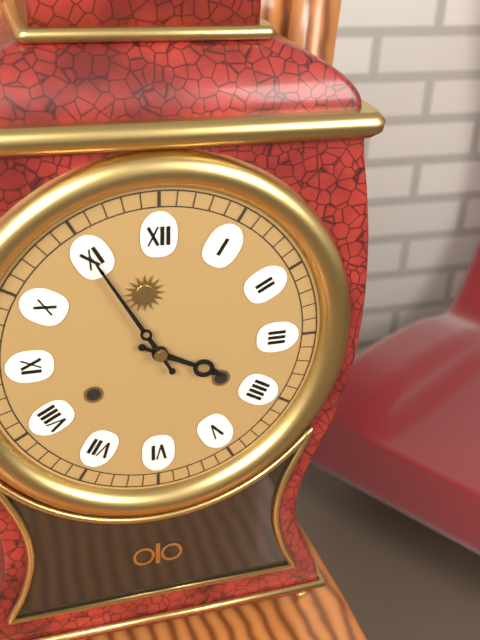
{"hour": 3, "minute": 55}
